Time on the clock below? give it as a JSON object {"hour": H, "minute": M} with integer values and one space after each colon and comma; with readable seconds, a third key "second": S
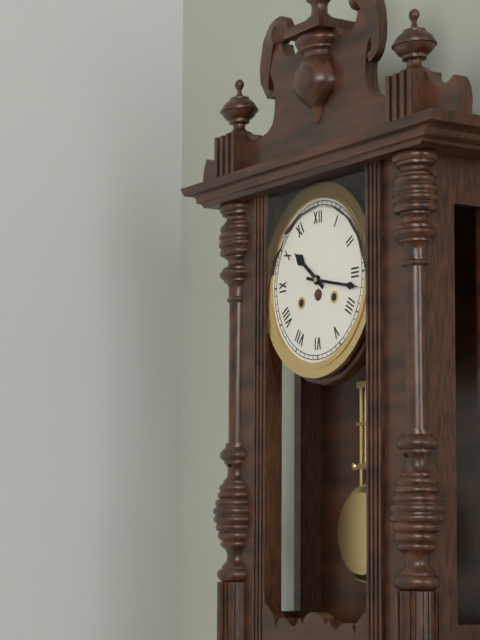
{"hour": 10, "minute": 17}
